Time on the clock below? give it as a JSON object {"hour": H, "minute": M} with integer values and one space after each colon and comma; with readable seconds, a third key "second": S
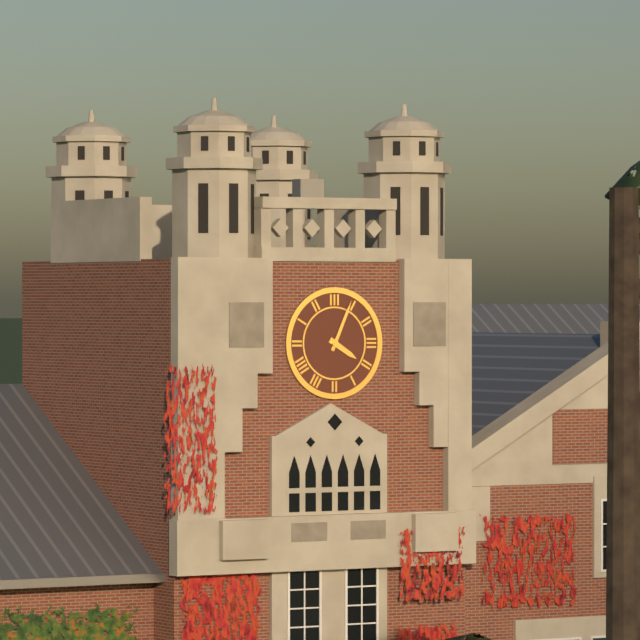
{"hour": 4, "minute": 4}
